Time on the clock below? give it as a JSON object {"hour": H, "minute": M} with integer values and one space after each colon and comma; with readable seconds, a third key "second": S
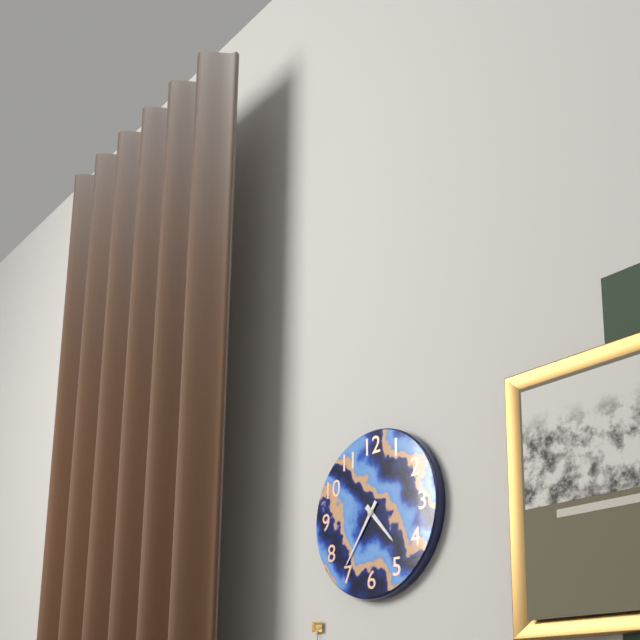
{"hour": 4, "minute": 36}
